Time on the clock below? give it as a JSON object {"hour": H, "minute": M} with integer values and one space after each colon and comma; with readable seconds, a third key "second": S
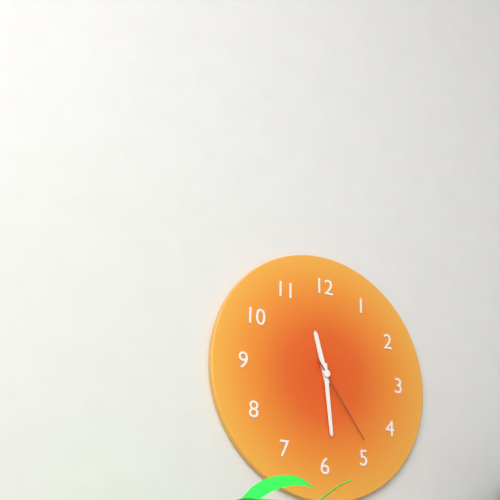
{"hour": 11, "minute": 29, "second": 24}
